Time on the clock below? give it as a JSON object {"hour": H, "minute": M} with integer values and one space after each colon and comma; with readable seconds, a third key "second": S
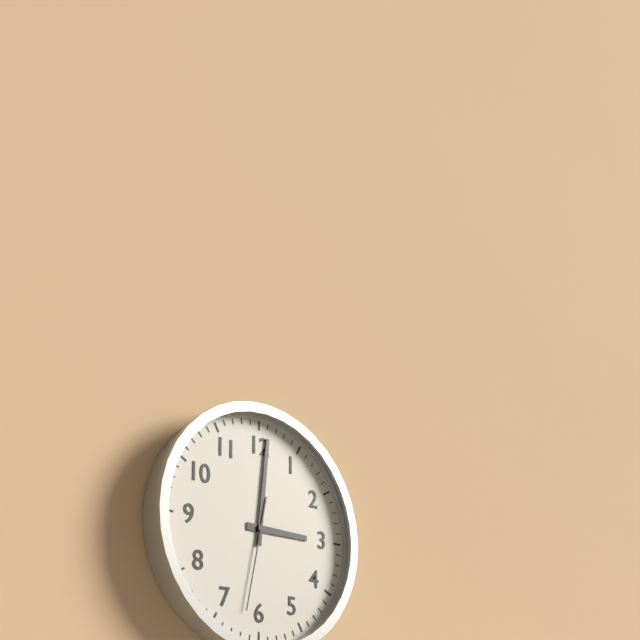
{"hour": 3, "minute": 1, "second": 32}
